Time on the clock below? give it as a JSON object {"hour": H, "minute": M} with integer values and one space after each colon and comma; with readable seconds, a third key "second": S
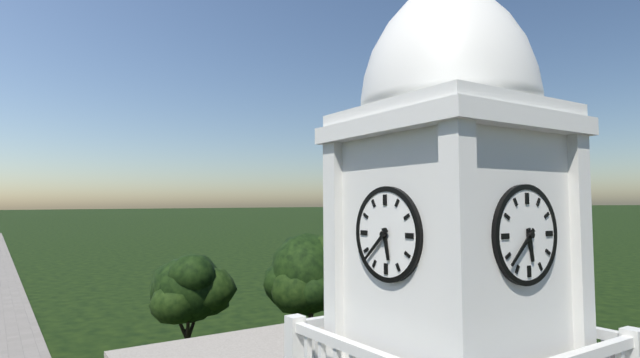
{"hour": 5, "minute": 38}
